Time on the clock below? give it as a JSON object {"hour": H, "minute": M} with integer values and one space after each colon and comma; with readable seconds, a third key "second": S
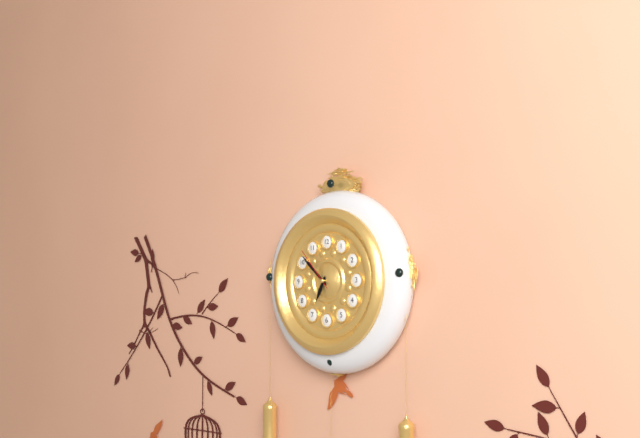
{"hour": 6, "minute": 52}
